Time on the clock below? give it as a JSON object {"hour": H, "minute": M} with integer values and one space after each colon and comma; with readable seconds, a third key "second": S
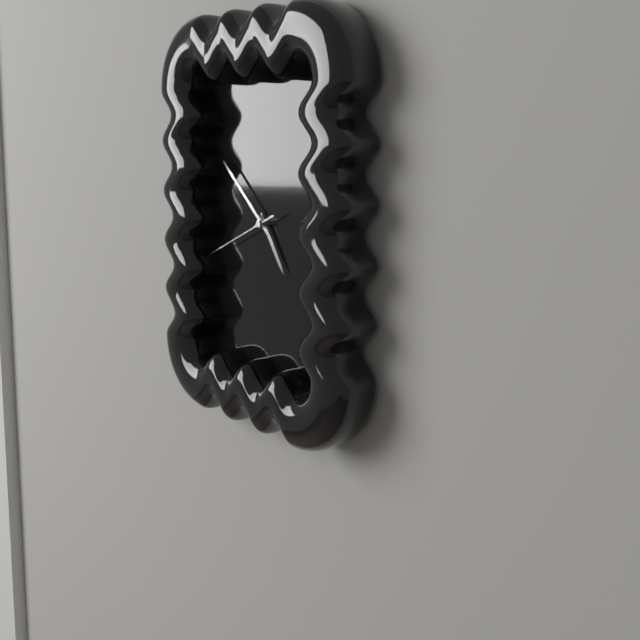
{"hour": 4, "minute": 52, "second": 41}
